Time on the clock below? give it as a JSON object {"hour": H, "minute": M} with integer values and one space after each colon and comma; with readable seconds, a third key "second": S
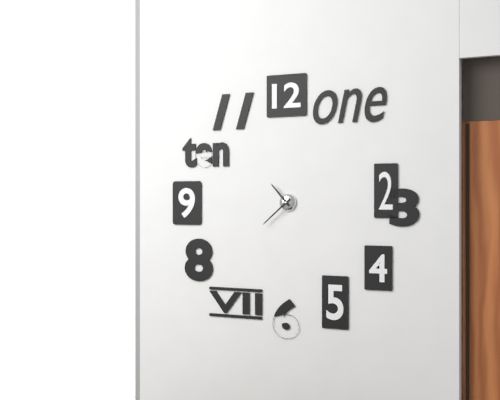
{"hour": 10, "minute": 38}
